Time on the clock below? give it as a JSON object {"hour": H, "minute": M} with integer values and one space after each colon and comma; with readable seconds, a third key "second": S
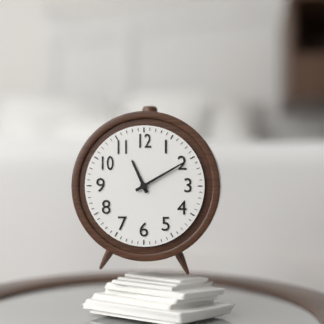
{"hour": 11, "minute": 10}
